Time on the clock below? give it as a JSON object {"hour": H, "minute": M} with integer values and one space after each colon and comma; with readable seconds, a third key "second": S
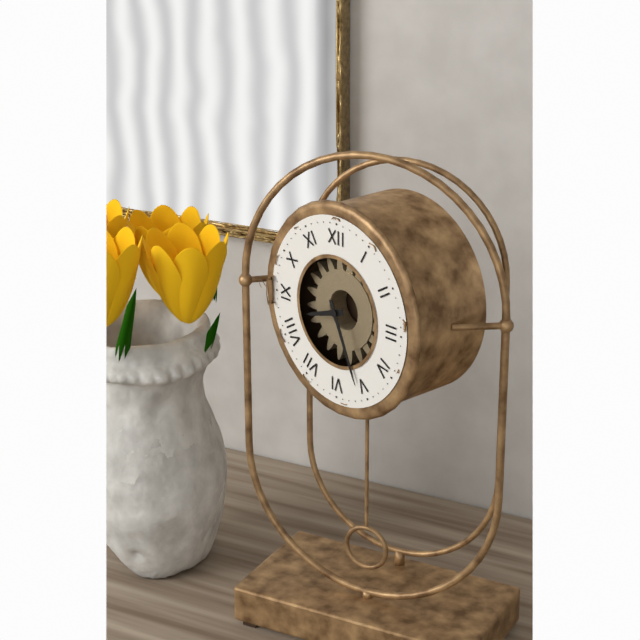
{"hour": 8, "minute": 26}
